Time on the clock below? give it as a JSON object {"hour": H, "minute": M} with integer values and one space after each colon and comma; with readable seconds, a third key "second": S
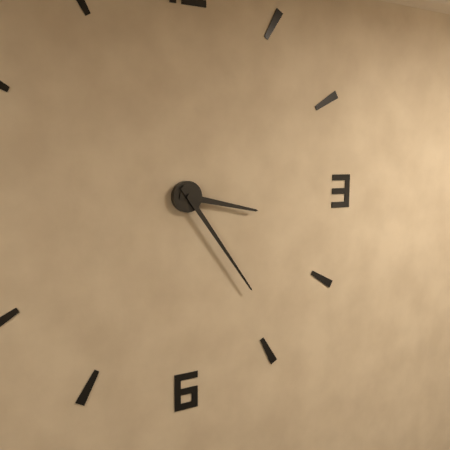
{"hour": 3, "minute": 24}
